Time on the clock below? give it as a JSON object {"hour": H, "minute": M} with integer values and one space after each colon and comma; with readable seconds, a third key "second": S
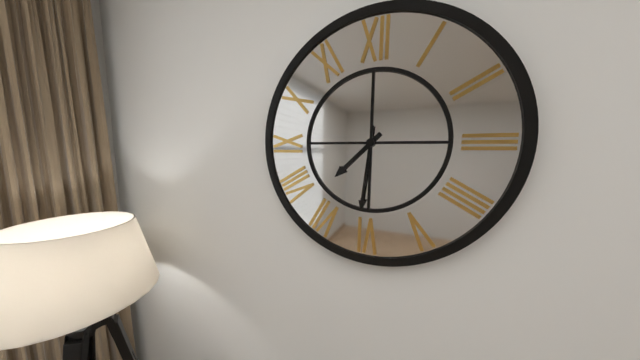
{"hour": 7, "minute": 31}
